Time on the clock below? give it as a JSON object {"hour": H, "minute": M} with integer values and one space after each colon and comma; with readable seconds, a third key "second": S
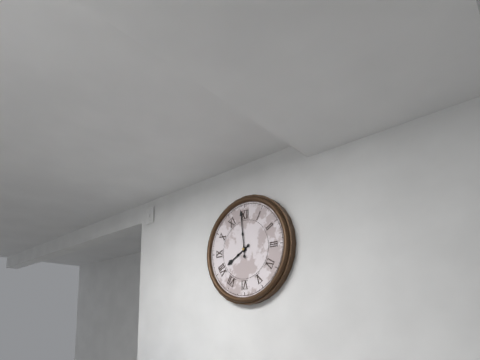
{"hour": 7, "minute": 59}
